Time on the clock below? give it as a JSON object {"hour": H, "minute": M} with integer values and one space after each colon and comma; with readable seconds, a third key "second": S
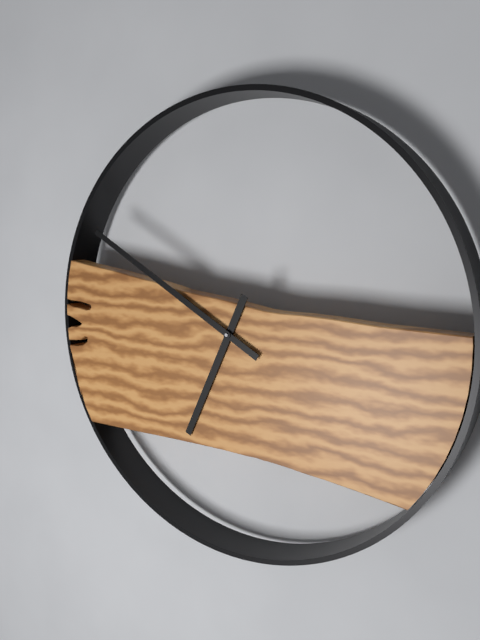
{"hour": 6, "minute": 50}
